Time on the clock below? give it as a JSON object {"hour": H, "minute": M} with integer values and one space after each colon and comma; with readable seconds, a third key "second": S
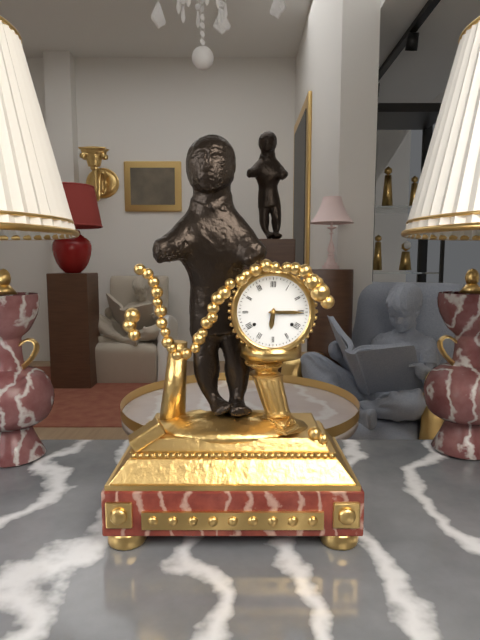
{"hour": 6, "minute": 15}
